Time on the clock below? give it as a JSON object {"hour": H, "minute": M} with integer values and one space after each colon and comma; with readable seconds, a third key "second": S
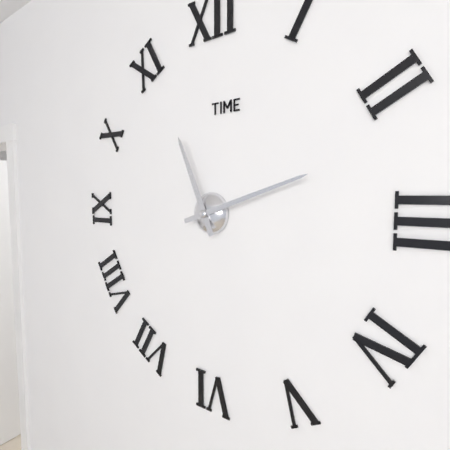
{"hour": 11, "minute": 12}
